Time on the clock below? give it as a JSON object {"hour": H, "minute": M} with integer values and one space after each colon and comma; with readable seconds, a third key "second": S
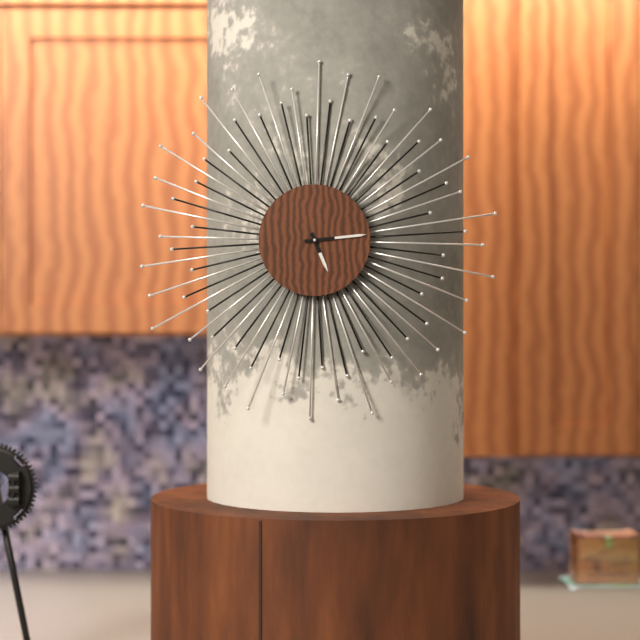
{"hour": 5, "minute": 14}
